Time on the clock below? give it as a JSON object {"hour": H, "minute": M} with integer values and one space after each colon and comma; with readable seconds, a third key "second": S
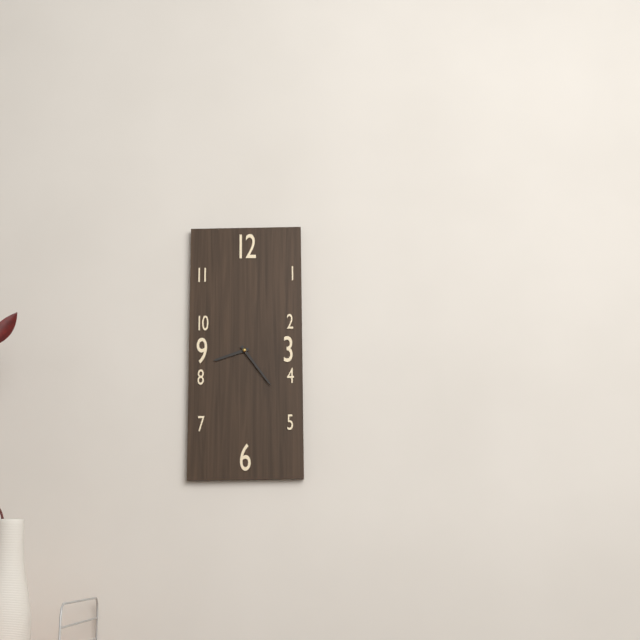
{"hour": 8, "minute": 24}
